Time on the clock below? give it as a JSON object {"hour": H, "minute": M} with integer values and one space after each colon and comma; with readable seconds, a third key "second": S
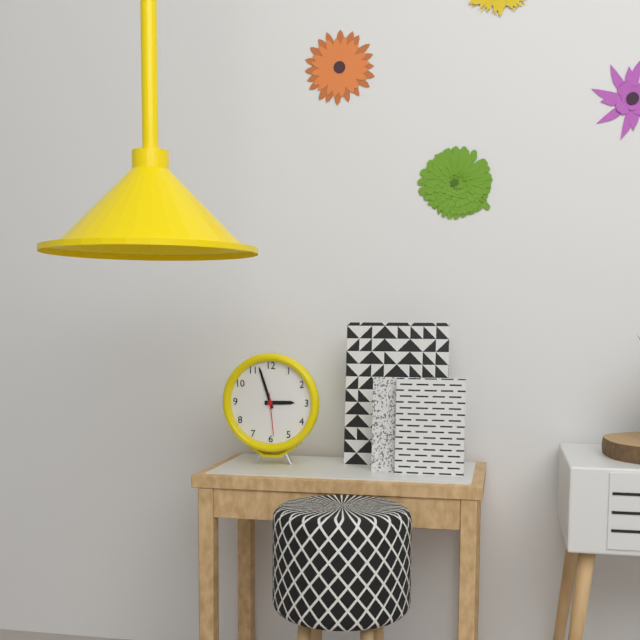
{"hour": 2, "minute": 57}
